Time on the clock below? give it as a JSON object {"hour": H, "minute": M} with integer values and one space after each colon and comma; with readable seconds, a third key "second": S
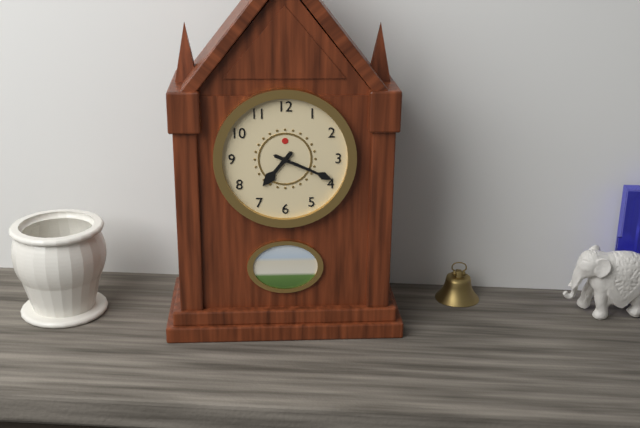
{"hour": 7, "minute": 19}
